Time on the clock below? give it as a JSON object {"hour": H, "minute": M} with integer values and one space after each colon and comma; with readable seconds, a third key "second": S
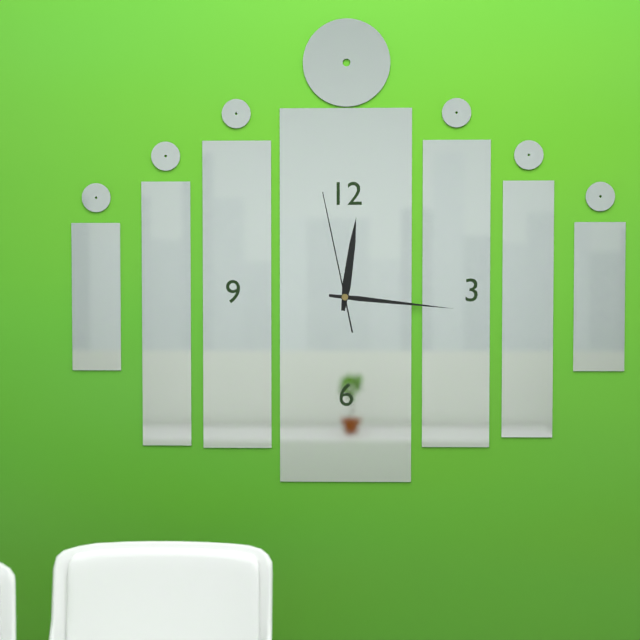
{"hour": 12, "minute": 16, "second": 58}
